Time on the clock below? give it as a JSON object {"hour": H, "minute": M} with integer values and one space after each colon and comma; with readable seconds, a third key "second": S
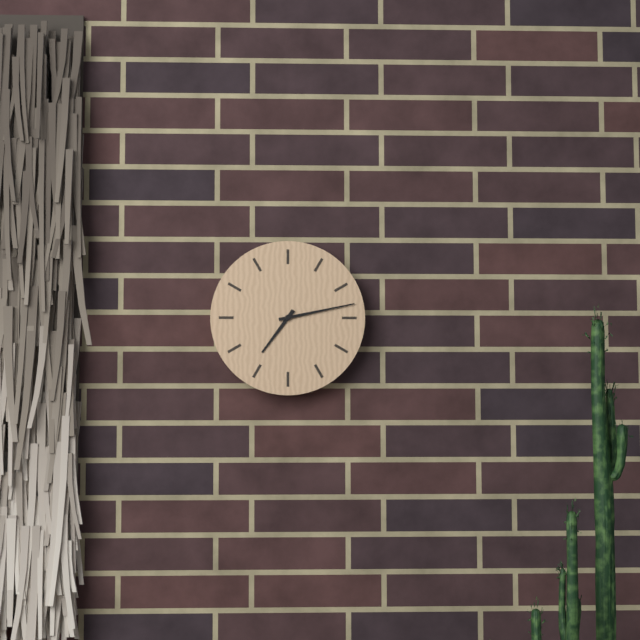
{"hour": 7, "minute": 13}
